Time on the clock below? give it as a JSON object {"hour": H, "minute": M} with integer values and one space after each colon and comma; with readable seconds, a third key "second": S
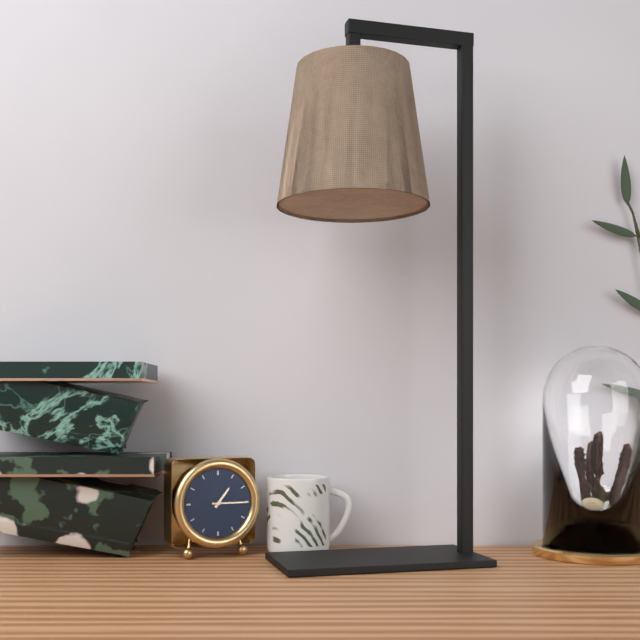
{"hour": 1, "minute": 15}
